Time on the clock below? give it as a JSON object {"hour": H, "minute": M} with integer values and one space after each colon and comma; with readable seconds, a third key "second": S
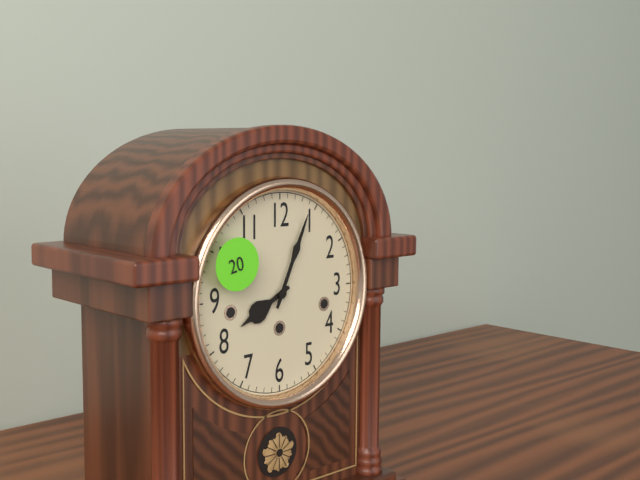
{"hour": 8, "minute": 4}
